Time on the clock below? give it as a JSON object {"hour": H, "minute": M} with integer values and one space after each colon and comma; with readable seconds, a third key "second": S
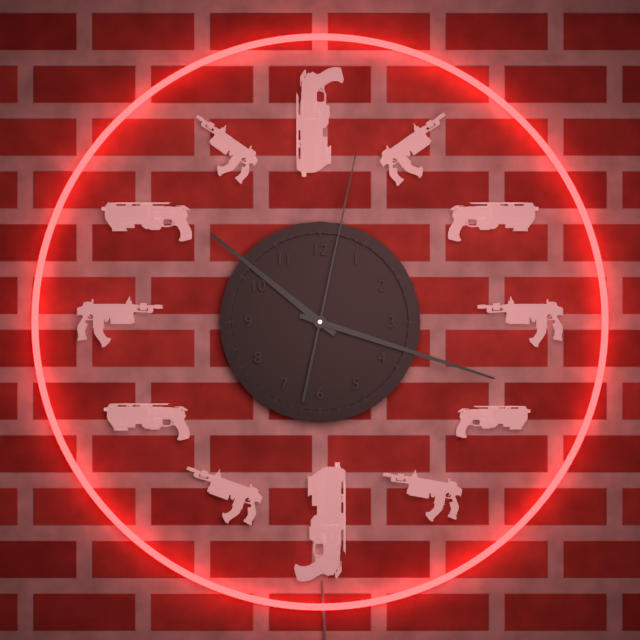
{"hour": 10, "minute": 18, "second": 2}
